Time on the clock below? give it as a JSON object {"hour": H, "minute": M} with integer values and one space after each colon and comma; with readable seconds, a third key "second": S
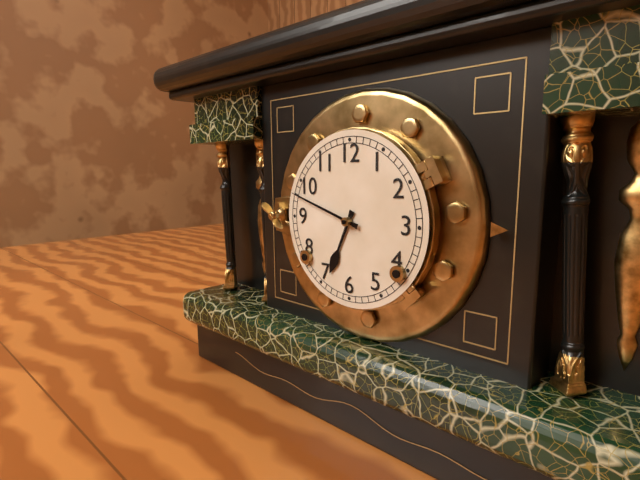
{"hour": 6, "minute": 48}
